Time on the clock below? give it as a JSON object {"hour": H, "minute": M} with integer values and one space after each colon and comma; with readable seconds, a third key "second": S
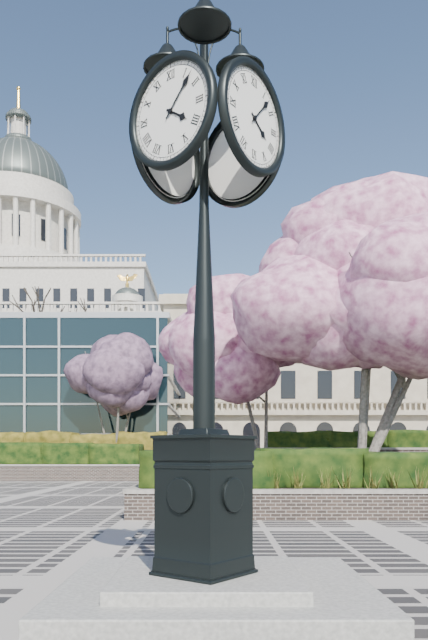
{"hour": 4, "minute": 7}
